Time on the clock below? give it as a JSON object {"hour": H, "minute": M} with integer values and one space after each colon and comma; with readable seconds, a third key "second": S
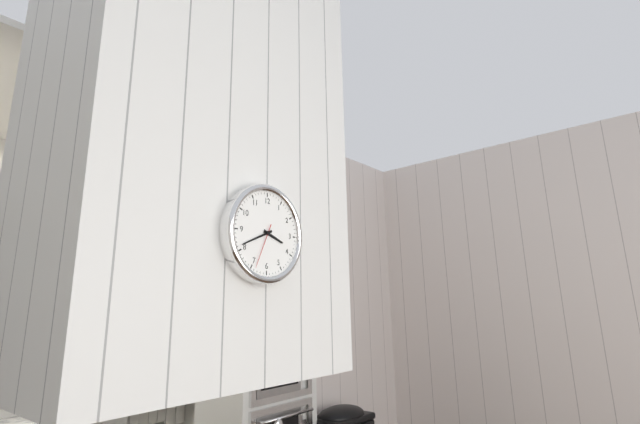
{"hour": 3, "minute": 41}
